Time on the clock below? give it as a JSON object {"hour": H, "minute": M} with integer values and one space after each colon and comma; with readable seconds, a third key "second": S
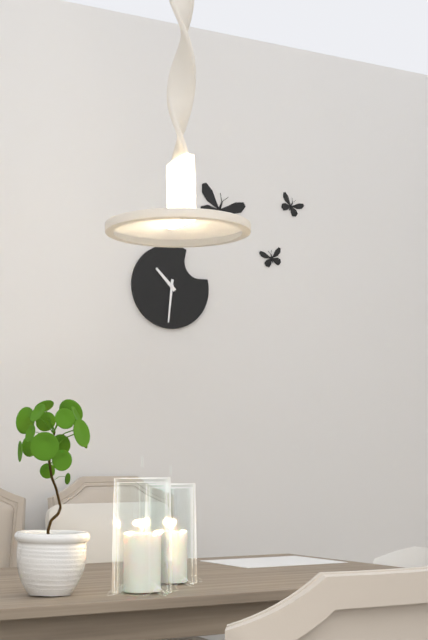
{"hour": 10, "minute": 31}
